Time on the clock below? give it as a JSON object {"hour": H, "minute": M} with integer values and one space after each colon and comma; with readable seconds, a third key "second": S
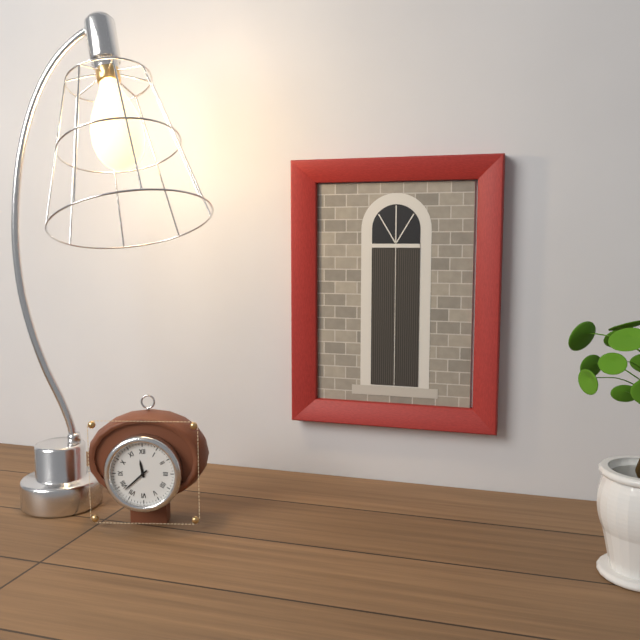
{"hour": 11, "minute": 38}
